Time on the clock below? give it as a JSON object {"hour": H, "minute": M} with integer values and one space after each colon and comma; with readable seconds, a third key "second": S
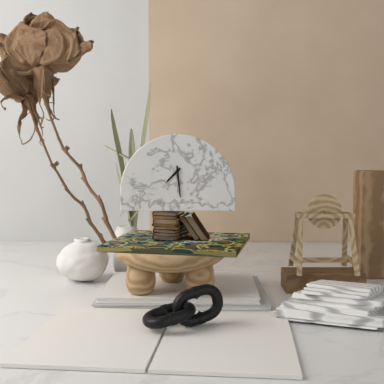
{"hour": 7, "minute": 29}
